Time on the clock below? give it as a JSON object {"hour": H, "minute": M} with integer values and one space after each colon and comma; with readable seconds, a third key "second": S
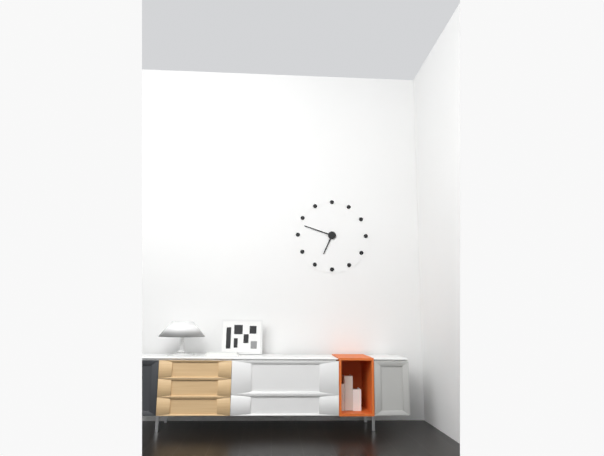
{"hour": 6, "minute": 48}
